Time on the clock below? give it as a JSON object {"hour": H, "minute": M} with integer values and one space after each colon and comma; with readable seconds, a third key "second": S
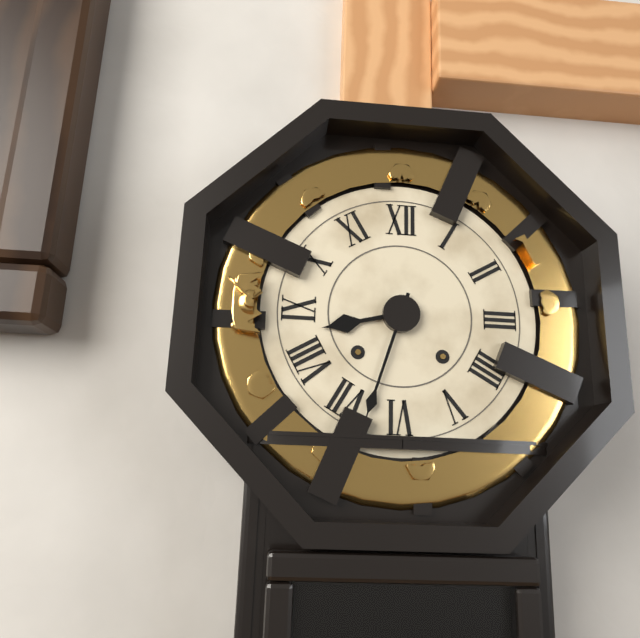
{"hour": 8, "minute": 33}
